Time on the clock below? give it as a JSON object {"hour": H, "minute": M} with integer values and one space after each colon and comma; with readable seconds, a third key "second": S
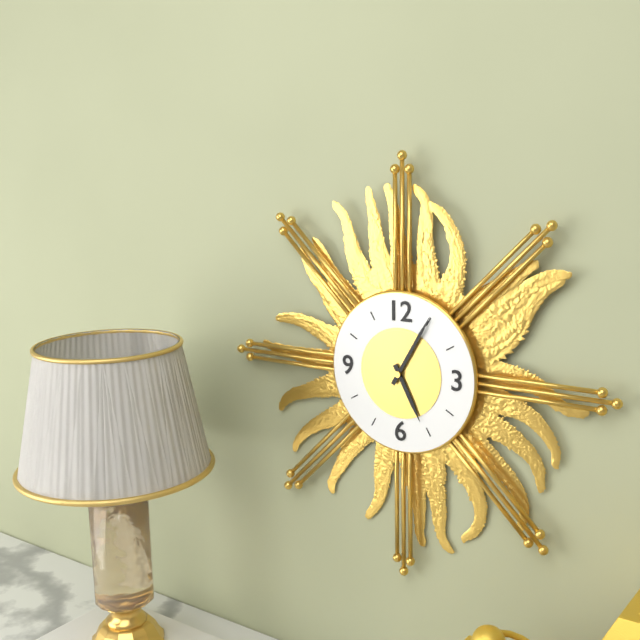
{"hour": 5, "minute": 5}
